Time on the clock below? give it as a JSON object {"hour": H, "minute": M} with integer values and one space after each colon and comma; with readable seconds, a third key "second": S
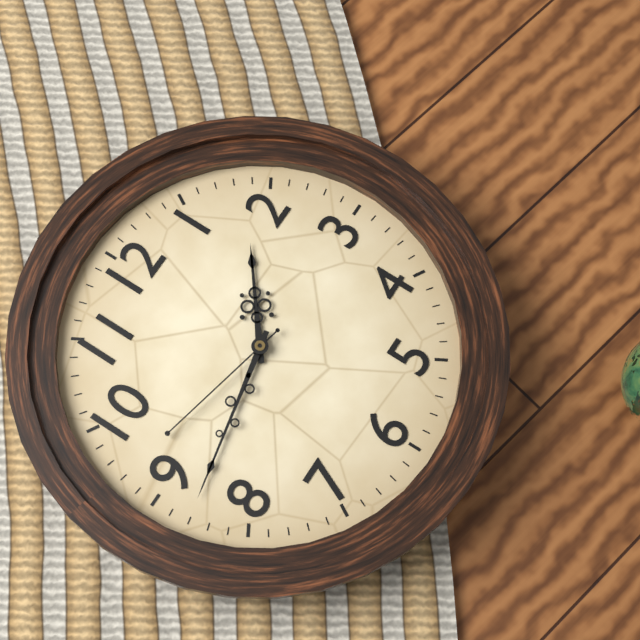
{"hour": 1, "minute": 43, "second": 47}
